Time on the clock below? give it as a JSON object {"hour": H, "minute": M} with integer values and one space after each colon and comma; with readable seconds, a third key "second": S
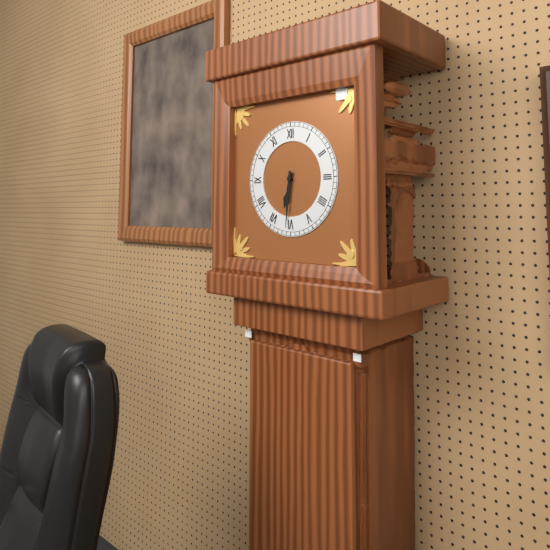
{"hour": 6, "minute": 31}
